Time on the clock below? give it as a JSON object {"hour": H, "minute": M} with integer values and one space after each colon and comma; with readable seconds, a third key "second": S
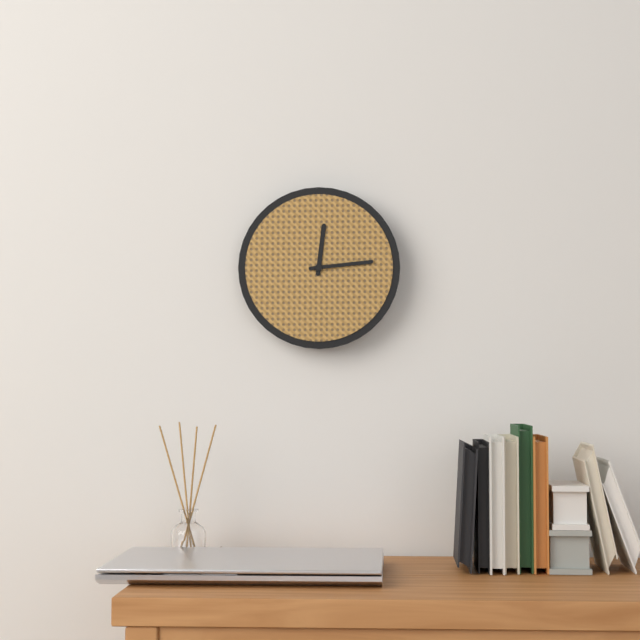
{"hour": 12, "minute": 14}
